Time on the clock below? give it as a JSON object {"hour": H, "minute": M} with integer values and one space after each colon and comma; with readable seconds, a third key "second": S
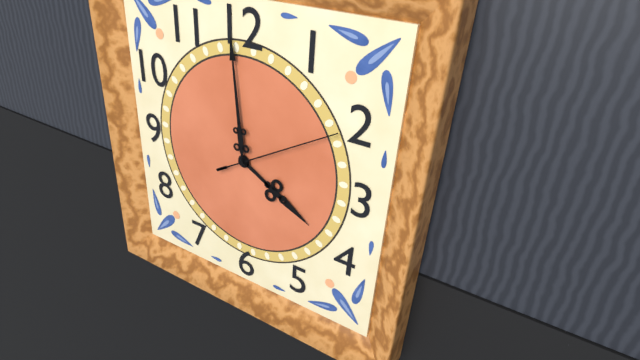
{"hour": 3, "minute": 59, "second": 10}
